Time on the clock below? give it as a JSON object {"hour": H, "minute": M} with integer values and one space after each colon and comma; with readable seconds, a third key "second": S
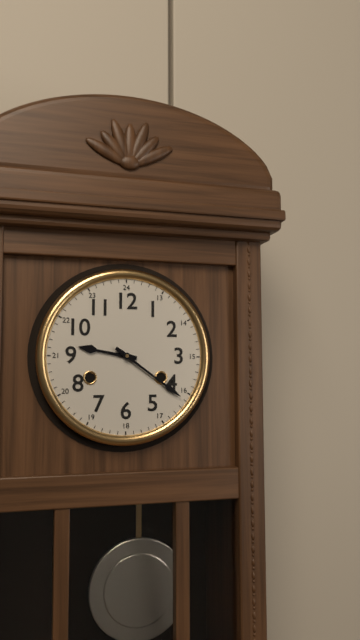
{"hour": 9, "minute": 21}
